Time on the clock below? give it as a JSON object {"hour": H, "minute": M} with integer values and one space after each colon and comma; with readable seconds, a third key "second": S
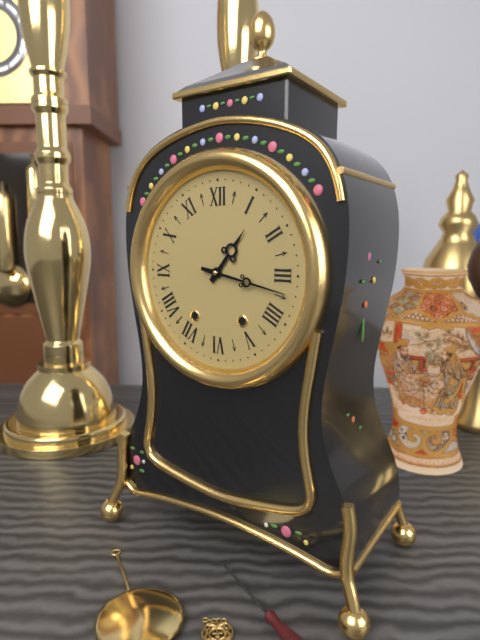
{"hour": 1, "minute": 17}
